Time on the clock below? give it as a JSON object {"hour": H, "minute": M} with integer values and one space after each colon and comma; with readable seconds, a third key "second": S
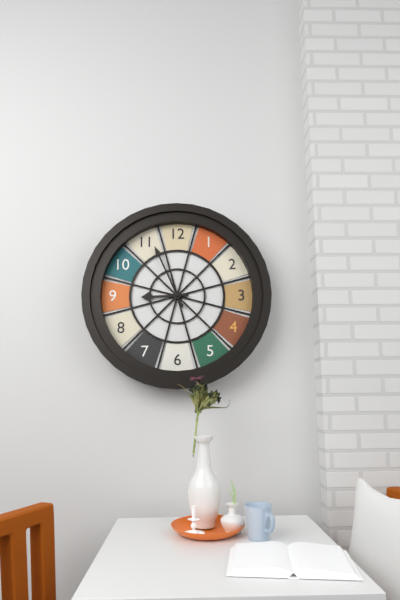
{"hour": 8, "minute": 56}
